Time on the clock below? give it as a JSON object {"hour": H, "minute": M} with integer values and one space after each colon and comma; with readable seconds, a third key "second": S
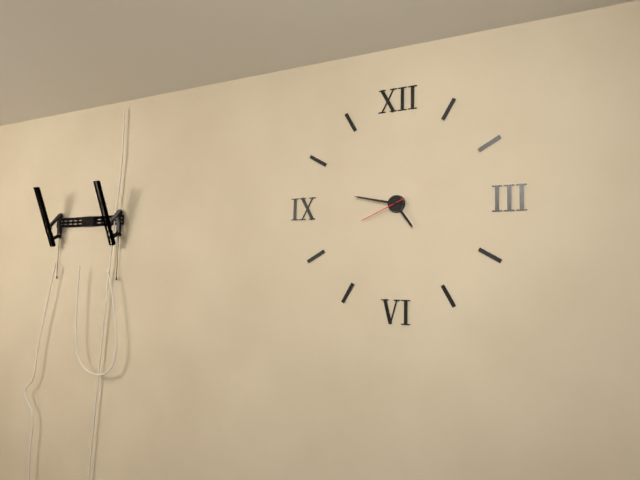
{"hour": 4, "minute": 47}
